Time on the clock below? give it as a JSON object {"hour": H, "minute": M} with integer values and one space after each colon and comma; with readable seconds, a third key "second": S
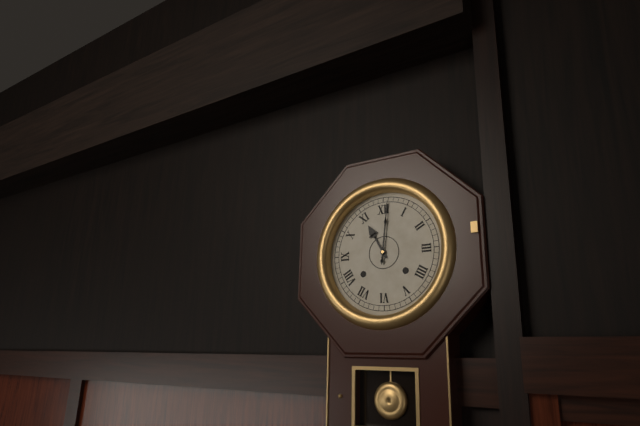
{"hour": 11, "minute": 1}
